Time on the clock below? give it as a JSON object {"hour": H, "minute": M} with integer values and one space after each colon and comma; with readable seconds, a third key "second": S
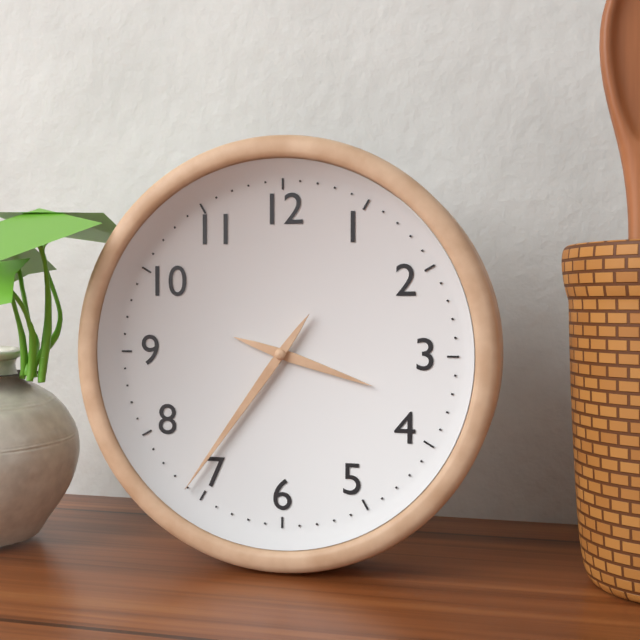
{"hour": 3, "minute": 36}
